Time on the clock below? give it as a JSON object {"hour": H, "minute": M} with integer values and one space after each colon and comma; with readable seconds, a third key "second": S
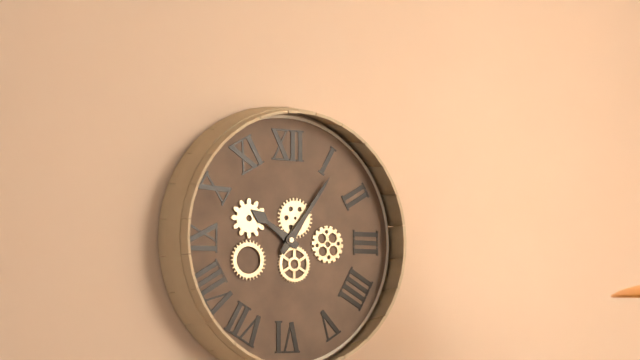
{"hour": 10, "minute": 6}
